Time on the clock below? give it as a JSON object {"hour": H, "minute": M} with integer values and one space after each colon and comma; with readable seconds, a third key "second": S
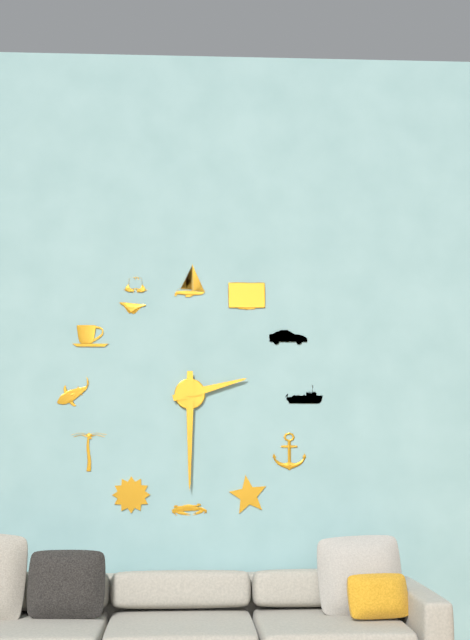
{"hour": 2, "minute": 30}
